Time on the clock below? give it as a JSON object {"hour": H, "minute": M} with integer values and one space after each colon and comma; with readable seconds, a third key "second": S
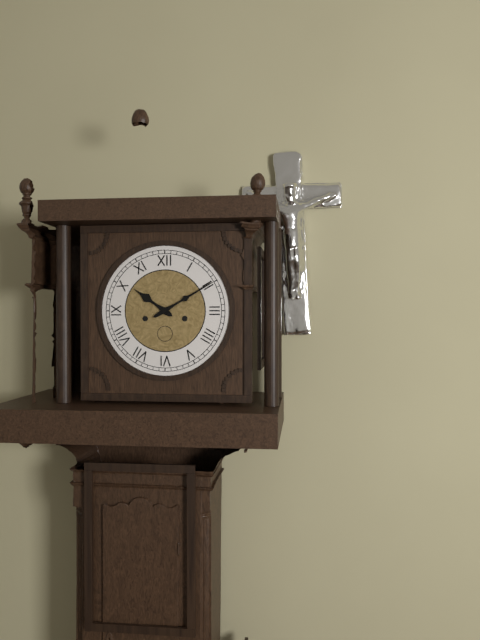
{"hour": 10, "minute": 10}
